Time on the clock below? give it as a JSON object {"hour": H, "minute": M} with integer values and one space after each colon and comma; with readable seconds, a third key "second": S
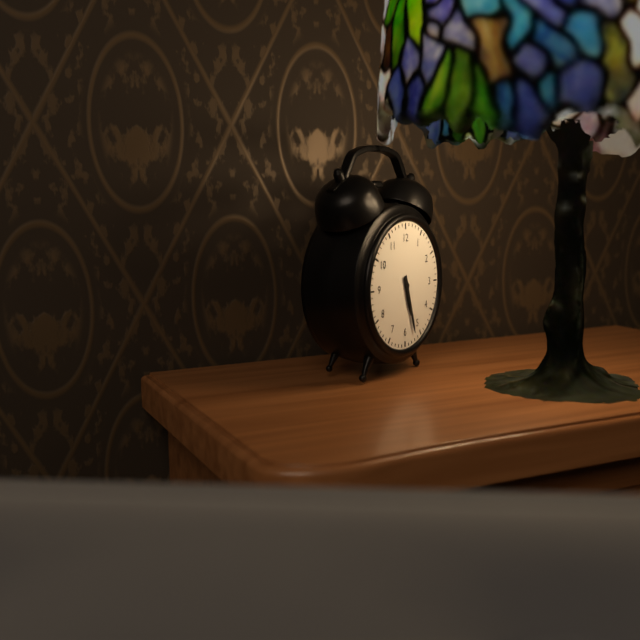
{"hour": 5, "minute": 27}
